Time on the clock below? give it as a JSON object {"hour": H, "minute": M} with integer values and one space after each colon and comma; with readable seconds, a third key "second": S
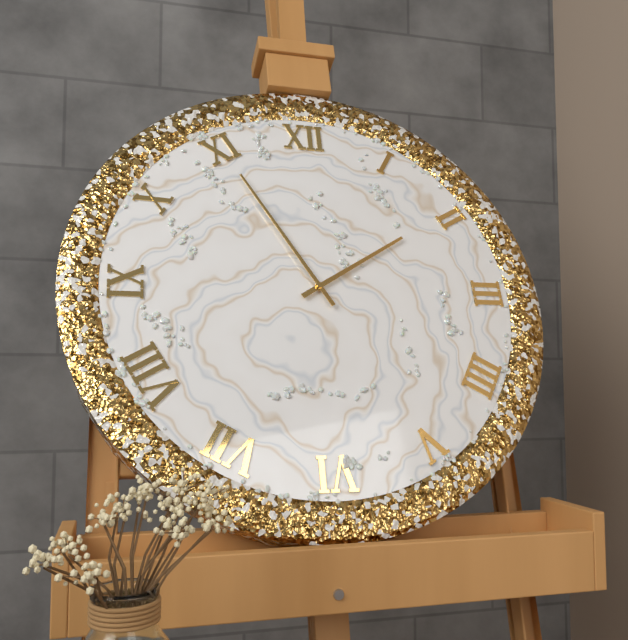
{"hour": 1, "minute": 55}
